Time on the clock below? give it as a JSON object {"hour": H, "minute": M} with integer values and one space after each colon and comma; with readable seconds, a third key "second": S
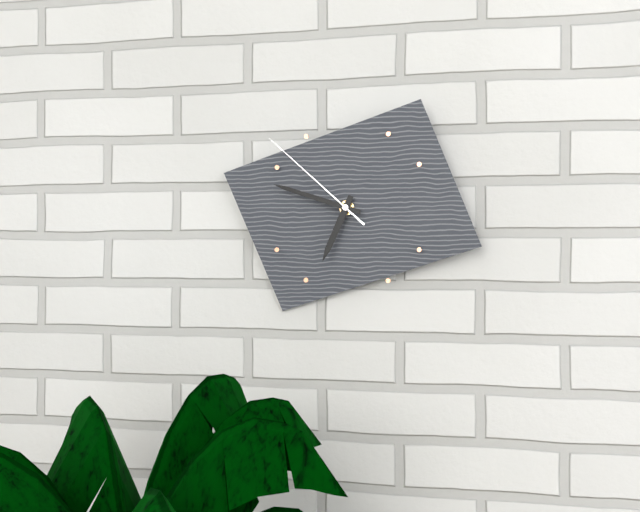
{"hour": 6, "minute": 48, "second": 52}
